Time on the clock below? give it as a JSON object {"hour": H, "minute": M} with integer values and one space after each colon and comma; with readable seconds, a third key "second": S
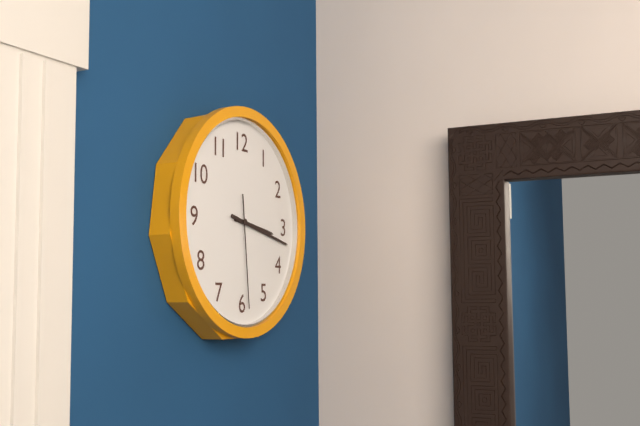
{"hour": 3, "minute": 17, "second": 29}
